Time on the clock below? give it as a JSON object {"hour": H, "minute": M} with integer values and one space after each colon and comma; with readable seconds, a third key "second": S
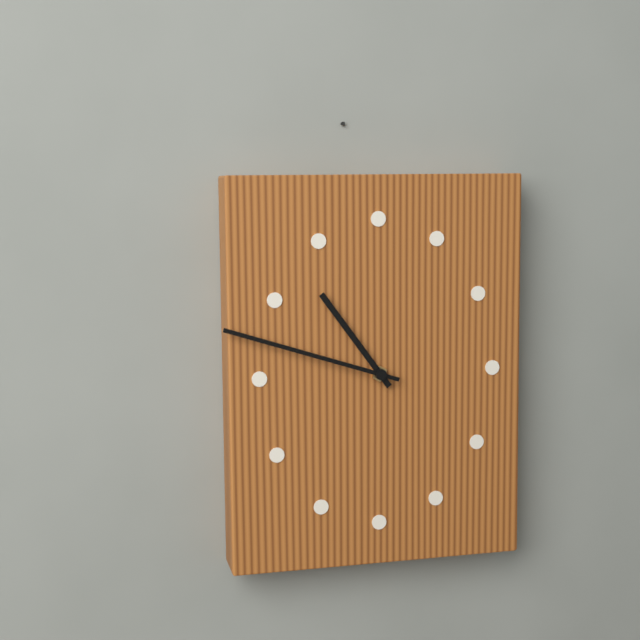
{"hour": 10, "minute": 48}
